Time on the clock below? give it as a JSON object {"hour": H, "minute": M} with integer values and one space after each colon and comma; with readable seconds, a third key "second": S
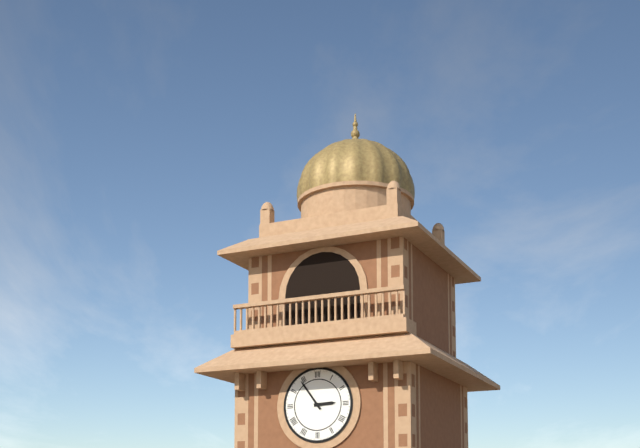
{"hour": 2, "minute": 54}
